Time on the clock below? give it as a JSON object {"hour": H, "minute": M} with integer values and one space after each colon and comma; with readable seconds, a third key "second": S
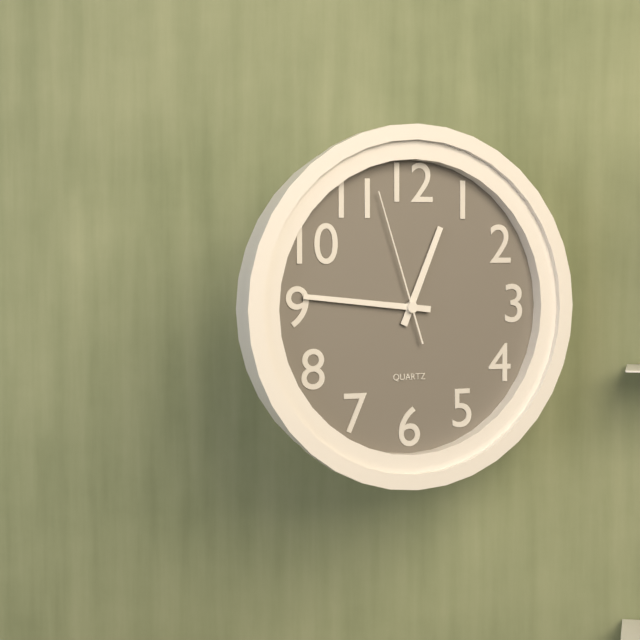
{"hour": 12, "minute": 46, "second": 57}
